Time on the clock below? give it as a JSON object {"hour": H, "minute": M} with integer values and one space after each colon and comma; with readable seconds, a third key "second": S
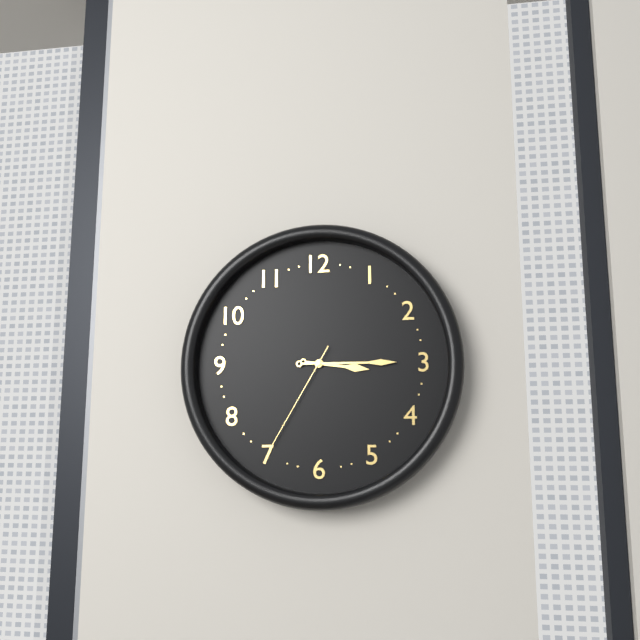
{"hour": 3, "minute": 15, "second": 35}
